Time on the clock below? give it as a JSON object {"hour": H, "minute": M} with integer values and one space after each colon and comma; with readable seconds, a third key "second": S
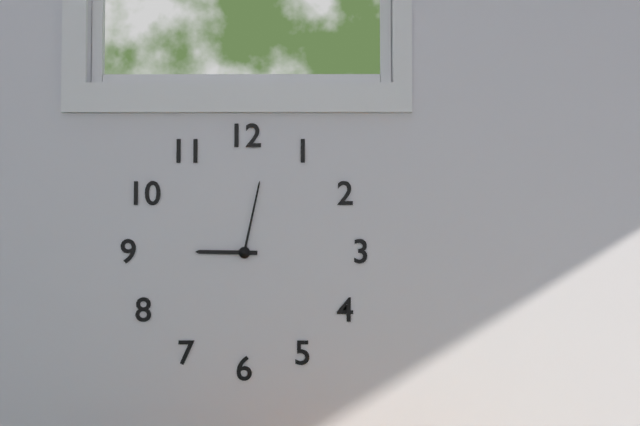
{"hour": 9, "minute": 2}
